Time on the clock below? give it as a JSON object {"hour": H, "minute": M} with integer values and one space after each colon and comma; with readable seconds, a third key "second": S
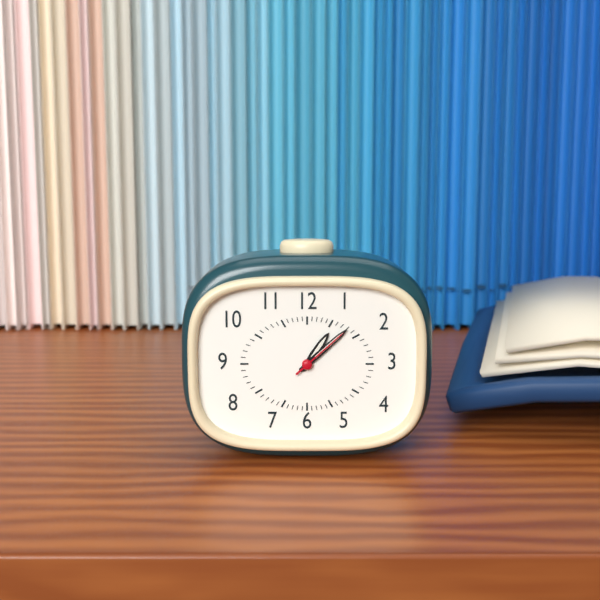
{"hour": 1, "minute": 8, "second": 8}
